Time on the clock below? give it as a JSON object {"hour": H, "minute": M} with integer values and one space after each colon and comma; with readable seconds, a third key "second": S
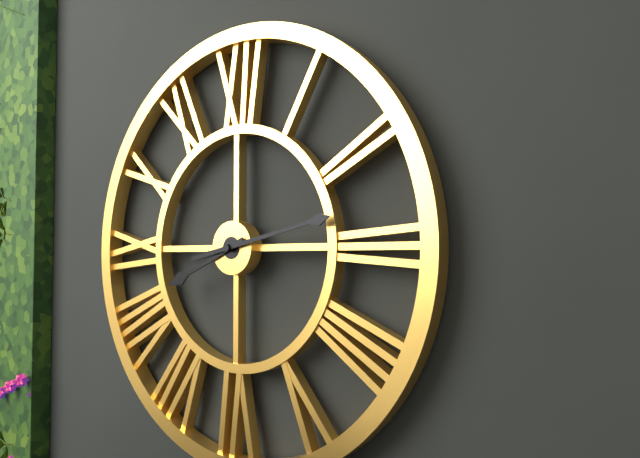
{"hour": 8, "minute": 13}
